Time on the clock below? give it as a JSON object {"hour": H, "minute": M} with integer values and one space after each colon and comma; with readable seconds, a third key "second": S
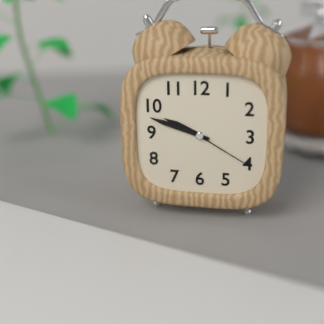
{"hour": 9, "minute": 48, "second": 20}
